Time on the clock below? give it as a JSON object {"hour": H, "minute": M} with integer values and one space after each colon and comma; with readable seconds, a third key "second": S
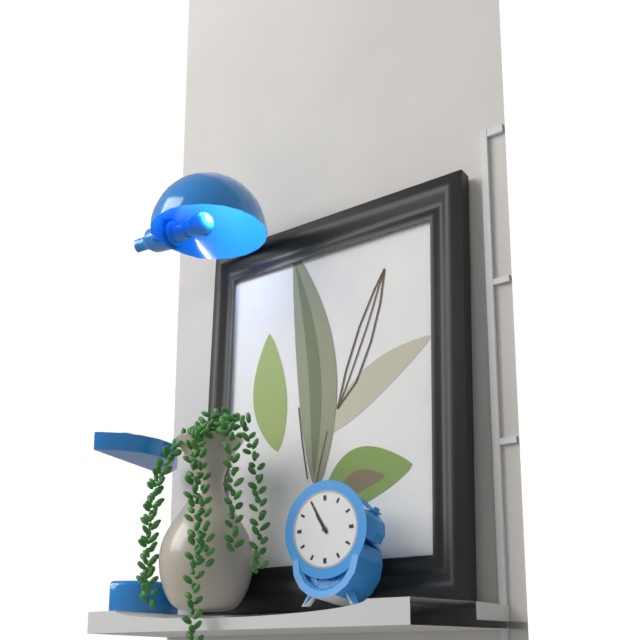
{"hour": 10, "minute": 55}
